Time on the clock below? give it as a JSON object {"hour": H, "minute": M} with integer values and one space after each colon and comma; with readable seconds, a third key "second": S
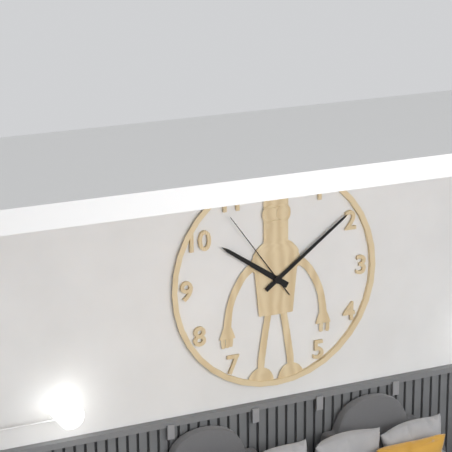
{"hour": 10, "minute": 9, "second": 54}
